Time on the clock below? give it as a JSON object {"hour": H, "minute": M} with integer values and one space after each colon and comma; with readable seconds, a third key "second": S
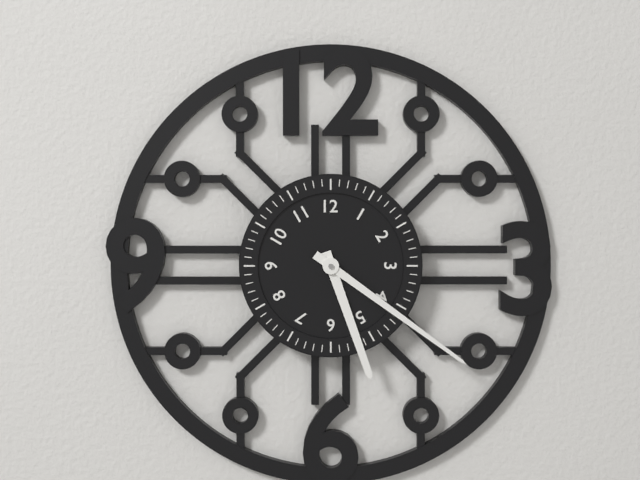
{"hour": 5, "minute": 21}
